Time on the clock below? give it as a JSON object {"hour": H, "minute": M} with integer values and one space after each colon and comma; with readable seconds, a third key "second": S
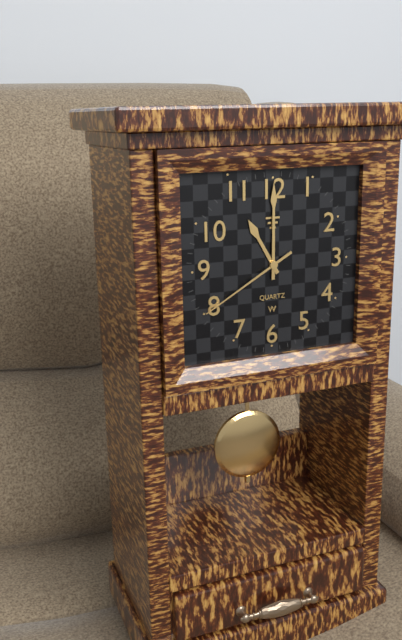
{"hour": 11, "minute": 0, "second": 40}
